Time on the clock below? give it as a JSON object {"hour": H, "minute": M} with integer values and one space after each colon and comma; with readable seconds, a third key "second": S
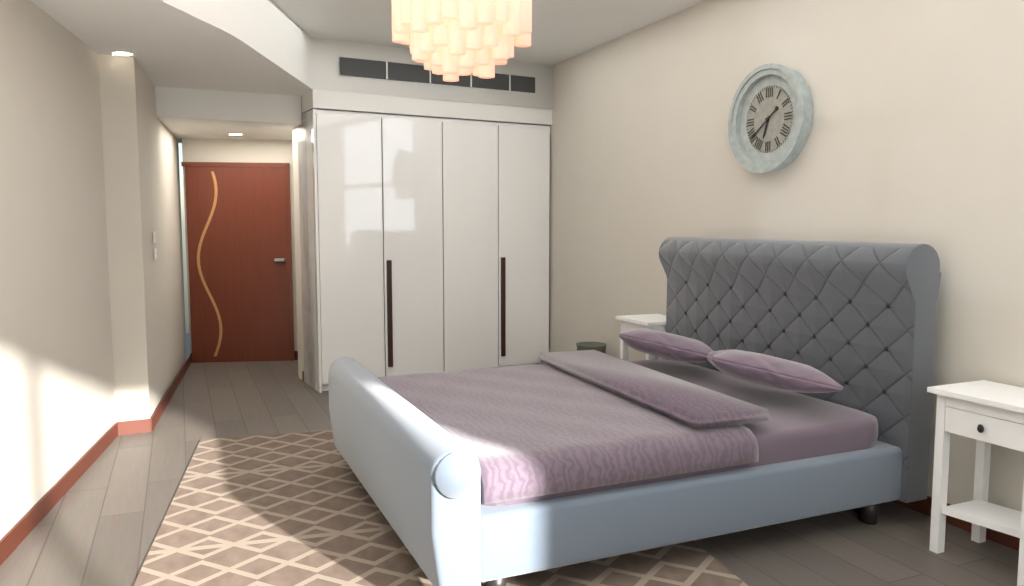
{"hour": 6, "minute": 39}
